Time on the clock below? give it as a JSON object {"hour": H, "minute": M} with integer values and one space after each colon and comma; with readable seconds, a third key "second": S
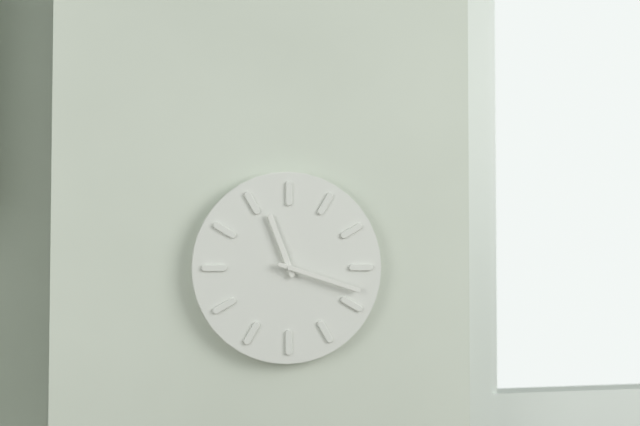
{"hour": 11, "minute": 18}
